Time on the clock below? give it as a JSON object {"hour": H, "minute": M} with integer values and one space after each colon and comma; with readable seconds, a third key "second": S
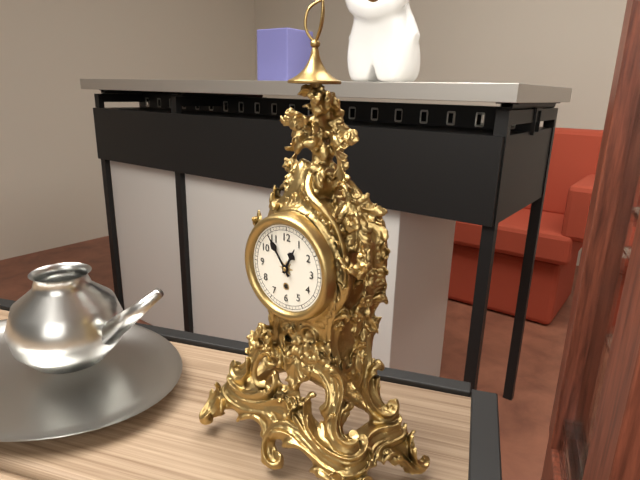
{"hour": 12, "minute": 54}
